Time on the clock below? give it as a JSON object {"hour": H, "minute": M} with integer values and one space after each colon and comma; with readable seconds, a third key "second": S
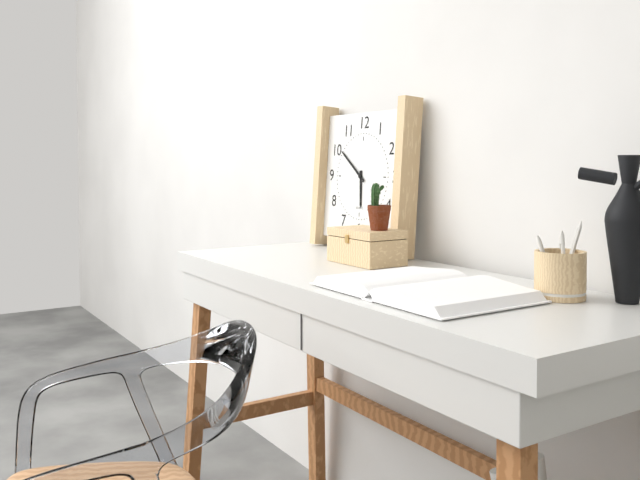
{"hour": 5, "minute": 51}
